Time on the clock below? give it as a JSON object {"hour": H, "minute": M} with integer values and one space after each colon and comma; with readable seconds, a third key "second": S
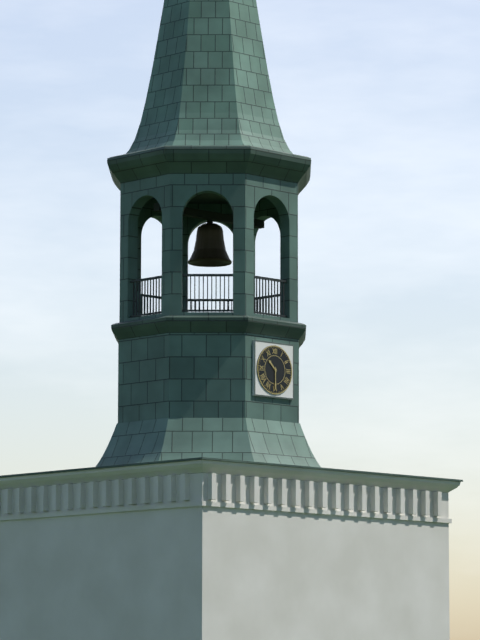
{"hour": 10, "minute": 30}
